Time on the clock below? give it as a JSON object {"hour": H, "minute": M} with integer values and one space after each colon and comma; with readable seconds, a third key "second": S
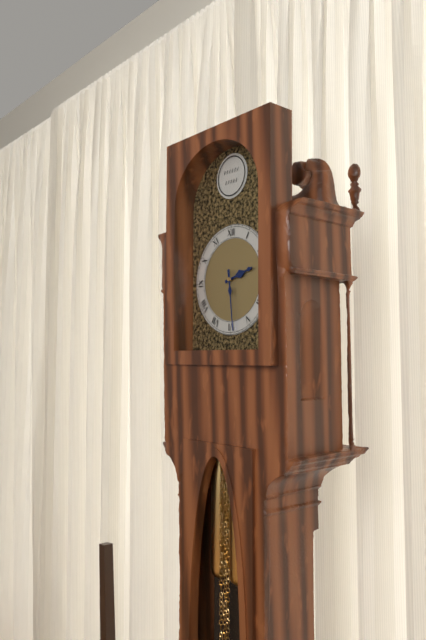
{"hour": 2, "minute": 29}
